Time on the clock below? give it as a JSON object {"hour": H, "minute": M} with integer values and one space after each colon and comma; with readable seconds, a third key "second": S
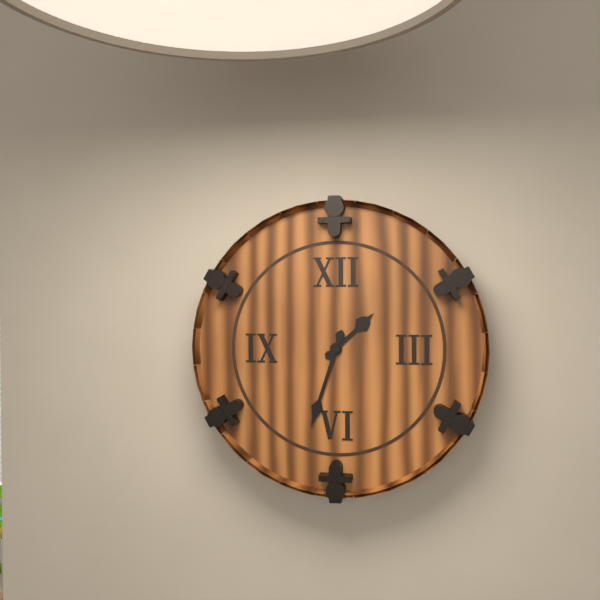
{"hour": 1, "minute": 33}
